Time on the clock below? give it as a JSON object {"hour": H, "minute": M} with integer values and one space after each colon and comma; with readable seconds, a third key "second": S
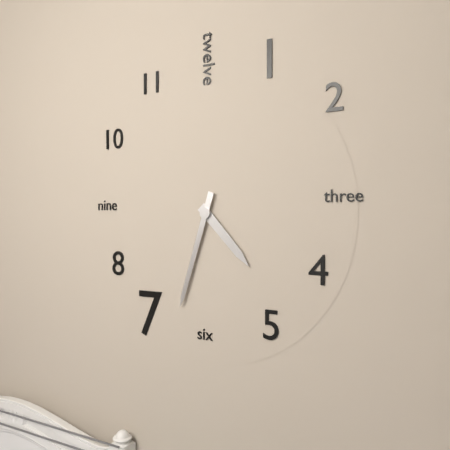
{"hour": 4, "minute": 33}
